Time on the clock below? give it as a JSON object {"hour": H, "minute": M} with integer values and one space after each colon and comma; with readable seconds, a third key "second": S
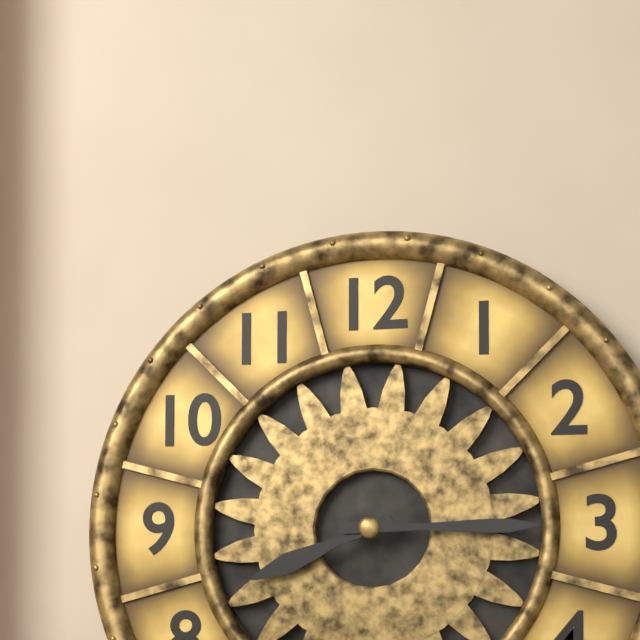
{"hour": 8, "minute": 15}
